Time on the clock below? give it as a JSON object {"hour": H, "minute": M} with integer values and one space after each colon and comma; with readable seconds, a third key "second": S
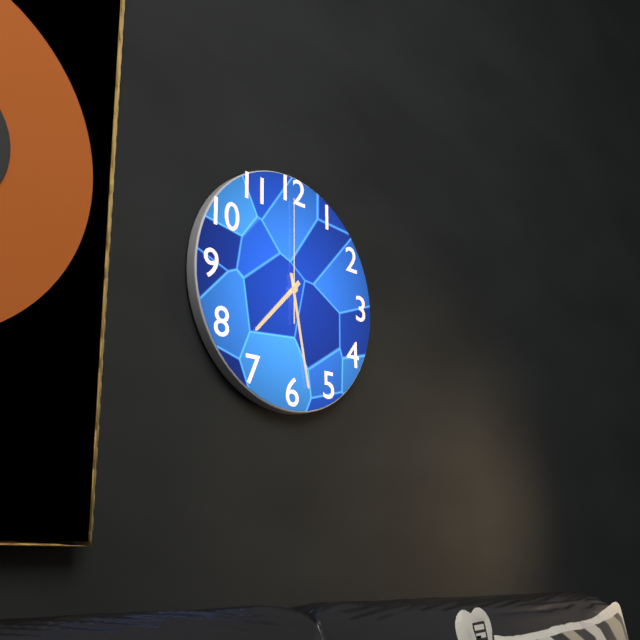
{"hour": 7, "minute": 28, "second": 0}
